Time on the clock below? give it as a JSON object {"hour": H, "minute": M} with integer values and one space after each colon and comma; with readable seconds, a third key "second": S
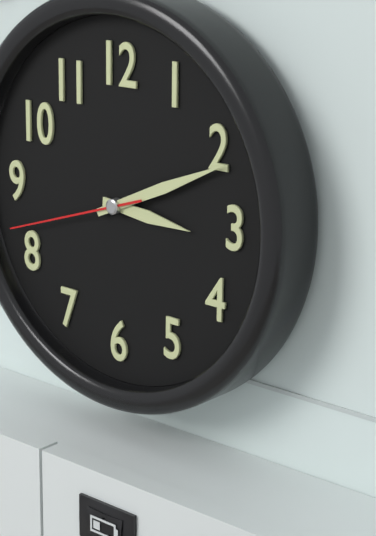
{"hour": 3, "minute": 11, "second": 42}
